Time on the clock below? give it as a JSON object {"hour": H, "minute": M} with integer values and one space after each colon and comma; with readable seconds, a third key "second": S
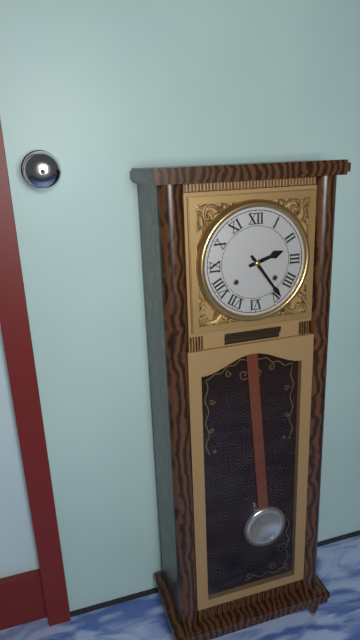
{"hour": 2, "minute": 24}
